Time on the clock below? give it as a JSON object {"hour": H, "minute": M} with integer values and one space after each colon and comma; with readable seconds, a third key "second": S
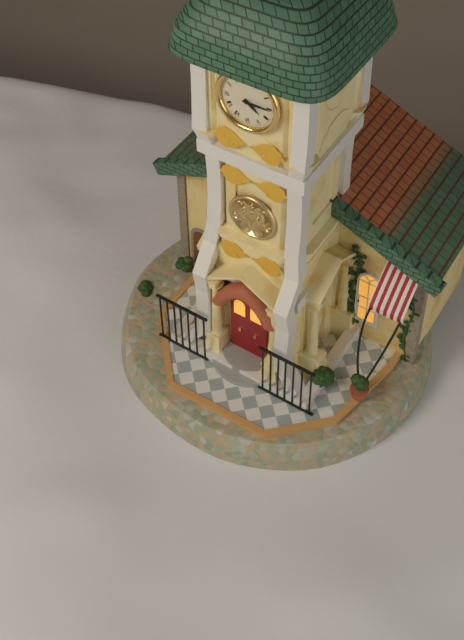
{"hour": 4, "minute": 15}
